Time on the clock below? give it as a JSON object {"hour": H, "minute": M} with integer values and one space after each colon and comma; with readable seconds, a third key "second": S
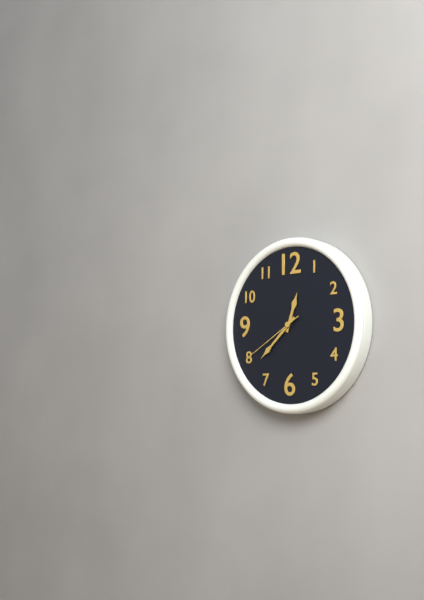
{"hour": 12, "minute": 38, "second": 40}
